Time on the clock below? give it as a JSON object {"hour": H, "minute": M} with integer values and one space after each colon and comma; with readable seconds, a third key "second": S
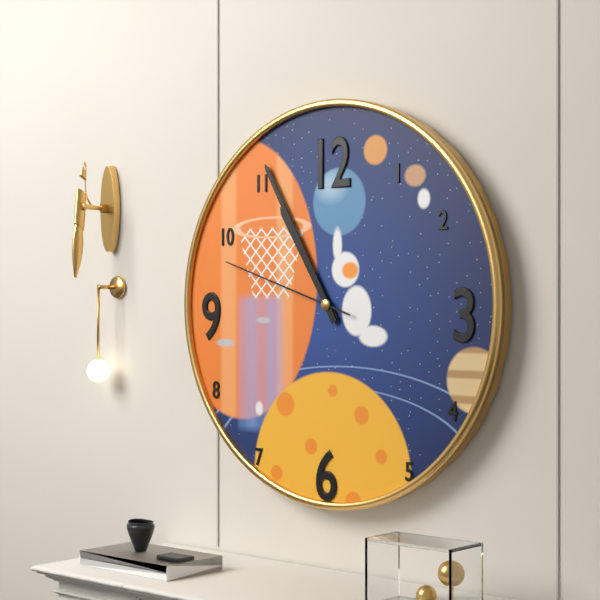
{"hour": 10, "minute": 55, "second": 48}
